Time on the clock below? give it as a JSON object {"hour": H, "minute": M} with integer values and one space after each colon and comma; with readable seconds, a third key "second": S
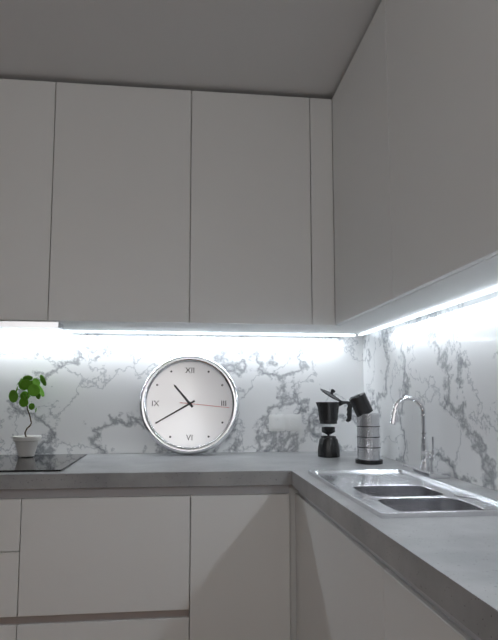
{"hour": 10, "minute": 40}
